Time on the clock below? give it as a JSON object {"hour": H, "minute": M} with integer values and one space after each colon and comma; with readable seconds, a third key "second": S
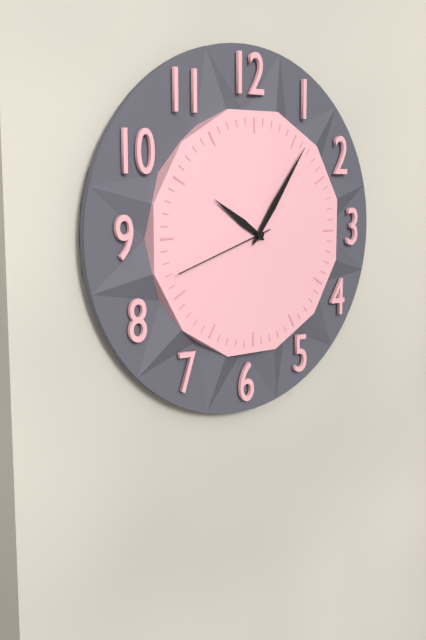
{"hour": 10, "minute": 6, "second": 42}
